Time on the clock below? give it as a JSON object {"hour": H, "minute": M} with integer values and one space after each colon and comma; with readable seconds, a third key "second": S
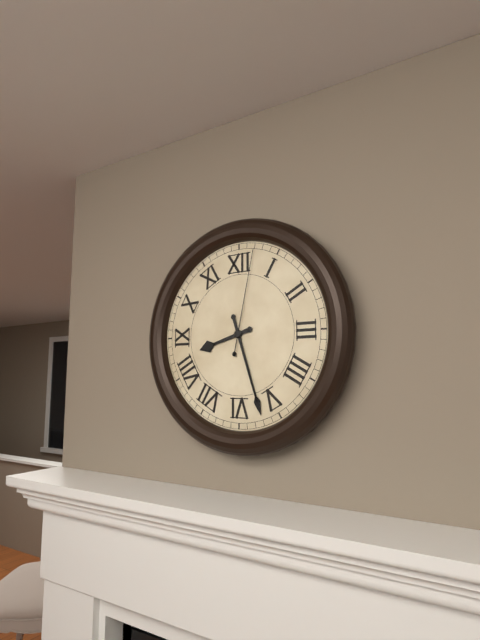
{"hour": 8, "minute": 27, "second": 2}
